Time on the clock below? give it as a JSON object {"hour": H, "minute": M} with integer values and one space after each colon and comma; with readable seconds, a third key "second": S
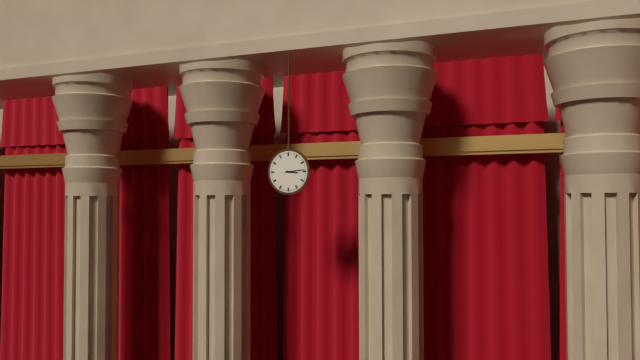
{"hour": 3, "minute": 14}
